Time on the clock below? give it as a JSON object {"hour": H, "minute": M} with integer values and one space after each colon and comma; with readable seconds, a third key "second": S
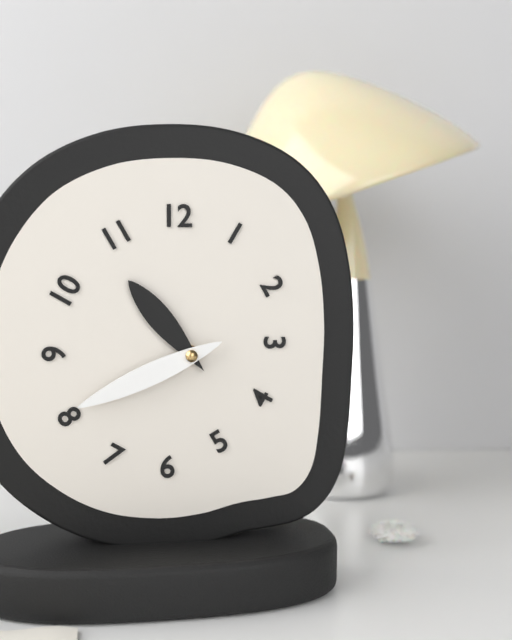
{"hour": 10, "minute": 41}
